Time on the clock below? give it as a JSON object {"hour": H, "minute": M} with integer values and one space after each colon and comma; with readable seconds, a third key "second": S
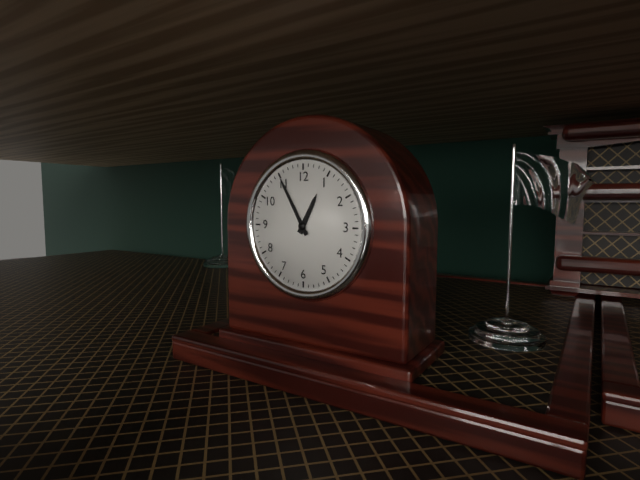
{"hour": 12, "minute": 55}
